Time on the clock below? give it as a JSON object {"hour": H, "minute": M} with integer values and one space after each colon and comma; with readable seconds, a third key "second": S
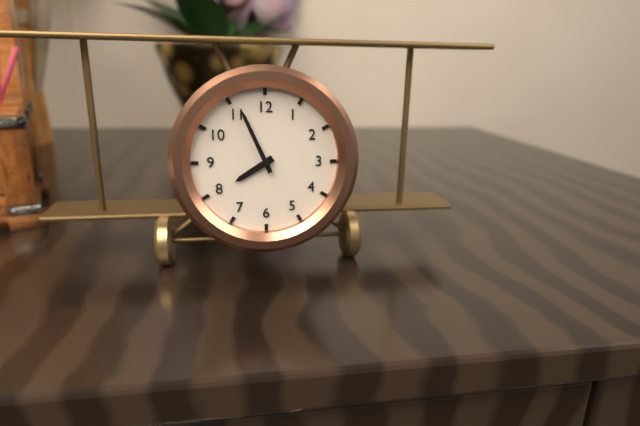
{"hour": 7, "minute": 56}
